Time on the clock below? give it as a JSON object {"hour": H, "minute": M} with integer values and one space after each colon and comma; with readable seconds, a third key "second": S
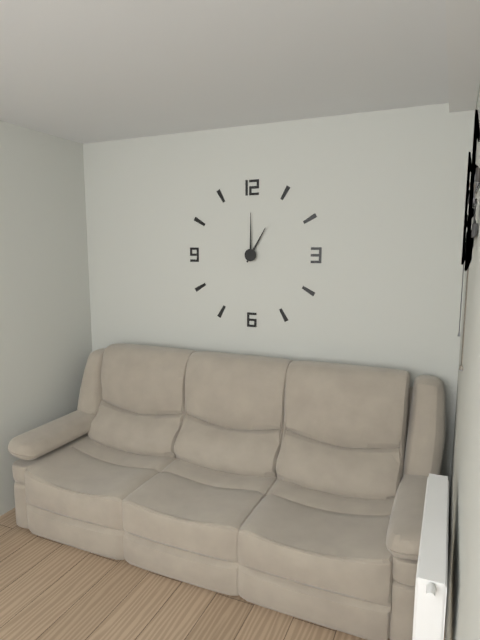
{"hour": 1, "minute": 0}
